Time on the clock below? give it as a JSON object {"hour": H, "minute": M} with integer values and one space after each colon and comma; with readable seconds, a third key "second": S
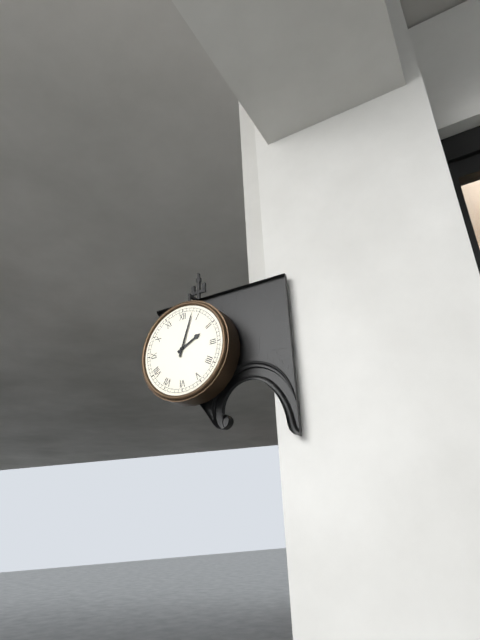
{"hour": 2, "minute": 3}
